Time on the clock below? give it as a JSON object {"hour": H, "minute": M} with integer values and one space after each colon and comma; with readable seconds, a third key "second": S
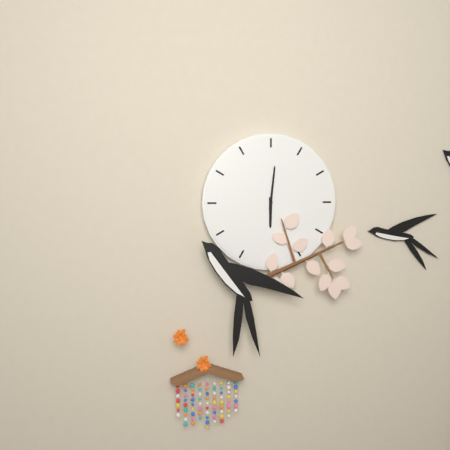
{"hour": 6, "minute": 1}
